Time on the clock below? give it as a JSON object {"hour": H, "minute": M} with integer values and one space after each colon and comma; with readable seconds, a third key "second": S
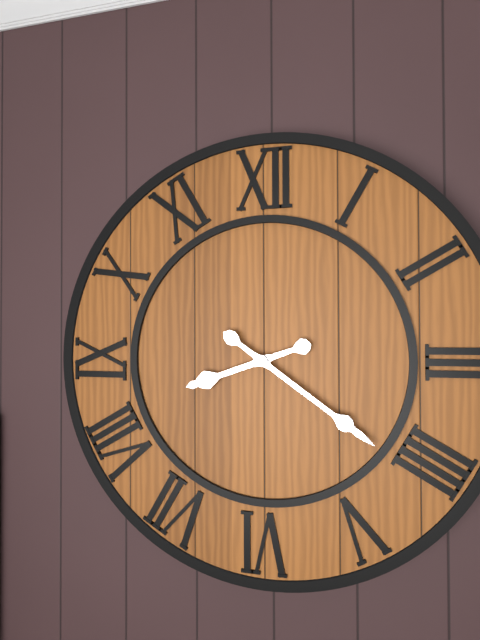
{"hour": 8, "minute": 21}
